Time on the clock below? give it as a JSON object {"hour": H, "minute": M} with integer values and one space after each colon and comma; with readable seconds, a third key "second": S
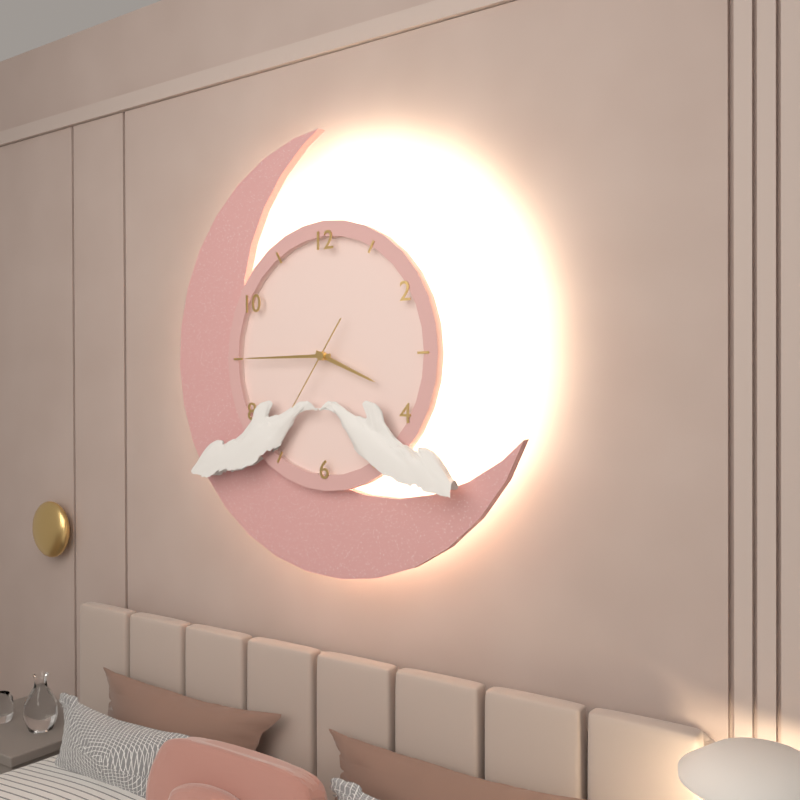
{"hour": 3, "minute": 45}
